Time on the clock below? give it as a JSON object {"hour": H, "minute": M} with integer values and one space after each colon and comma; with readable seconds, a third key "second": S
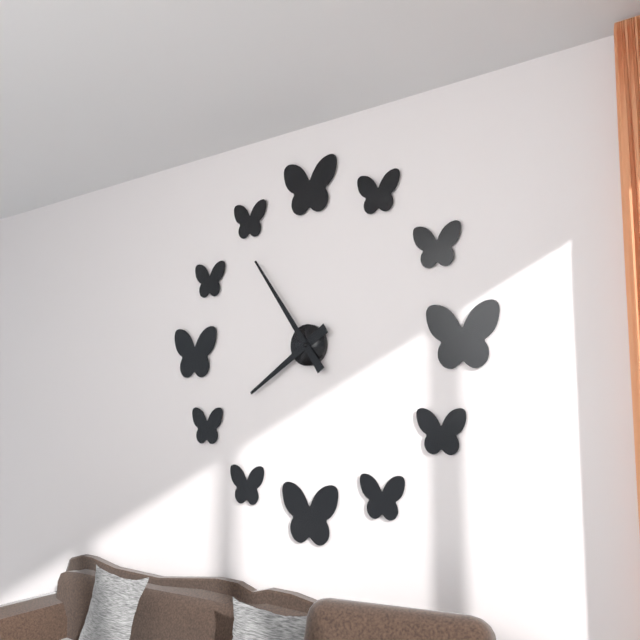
{"hour": 7, "minute": 54}
